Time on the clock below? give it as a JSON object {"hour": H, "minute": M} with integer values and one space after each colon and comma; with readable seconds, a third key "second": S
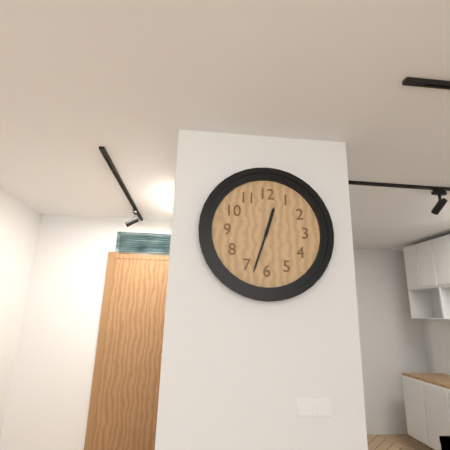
{"hour": 12, "minute": 33}
